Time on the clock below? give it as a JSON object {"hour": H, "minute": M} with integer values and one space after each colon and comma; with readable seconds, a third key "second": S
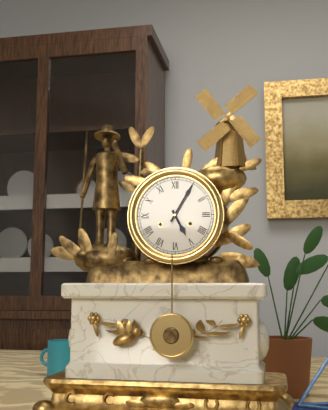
{"hour": 5, "minute": 5}
